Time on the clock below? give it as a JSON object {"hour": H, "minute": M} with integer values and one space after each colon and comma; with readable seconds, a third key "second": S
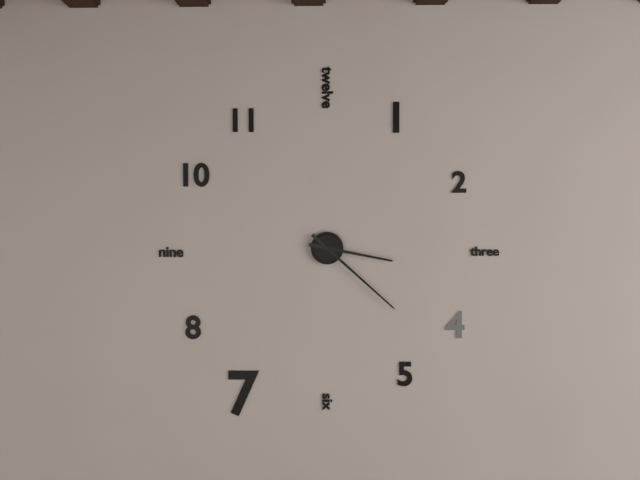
{"hour": 3, "minute": 22}
